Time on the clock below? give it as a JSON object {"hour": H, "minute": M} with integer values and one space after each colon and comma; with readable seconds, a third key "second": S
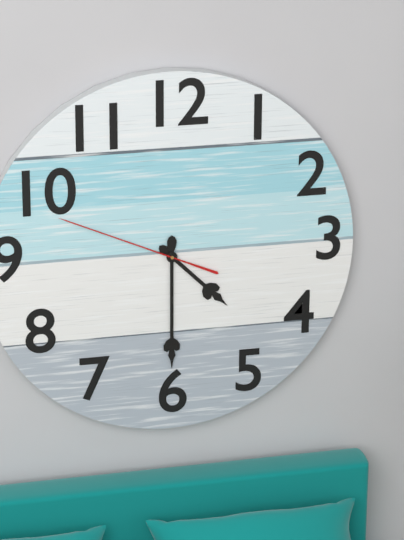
{"hour": 4, "minute": 30, "second": 49}
